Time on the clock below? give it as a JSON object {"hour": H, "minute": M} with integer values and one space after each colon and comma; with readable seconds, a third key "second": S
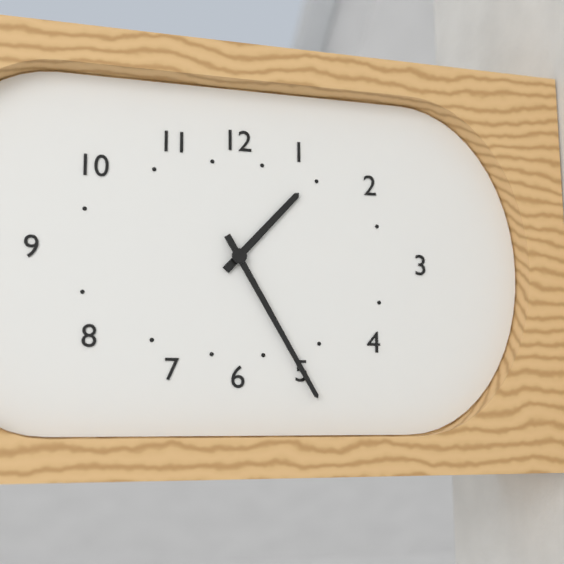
{"hour": 1, "minute": 25}
